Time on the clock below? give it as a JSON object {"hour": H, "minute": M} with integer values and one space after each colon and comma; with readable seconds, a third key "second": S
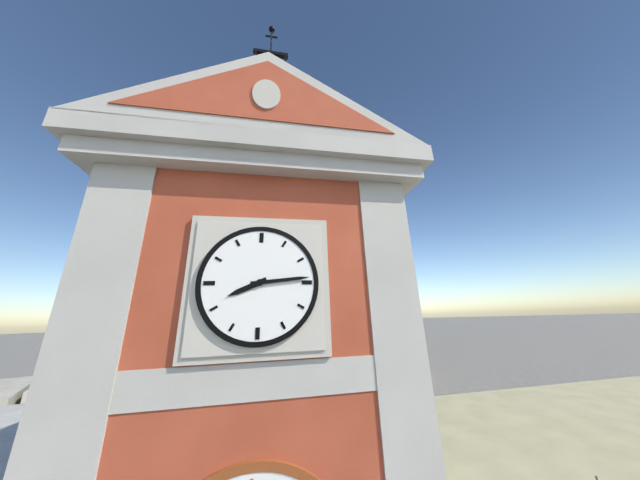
{"hour": 8, "minute": 14}
